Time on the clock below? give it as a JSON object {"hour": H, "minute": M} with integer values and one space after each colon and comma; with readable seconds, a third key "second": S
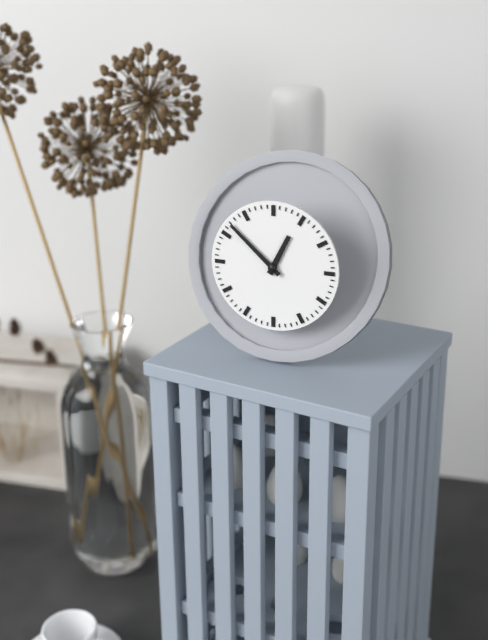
{"hour": 12, "minute": 52}
